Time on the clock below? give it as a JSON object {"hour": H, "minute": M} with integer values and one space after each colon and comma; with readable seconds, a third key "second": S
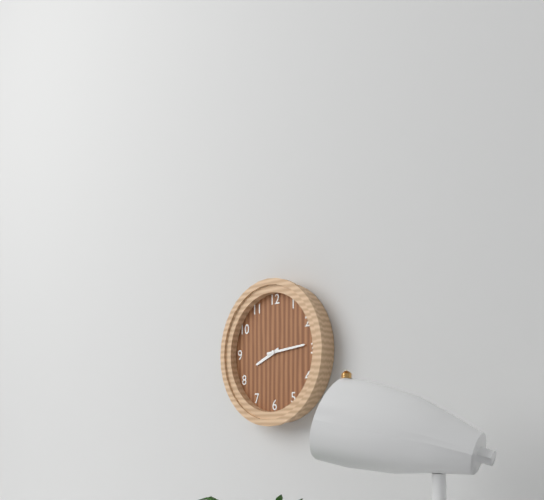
{"hour": 8, "minute": 14}
